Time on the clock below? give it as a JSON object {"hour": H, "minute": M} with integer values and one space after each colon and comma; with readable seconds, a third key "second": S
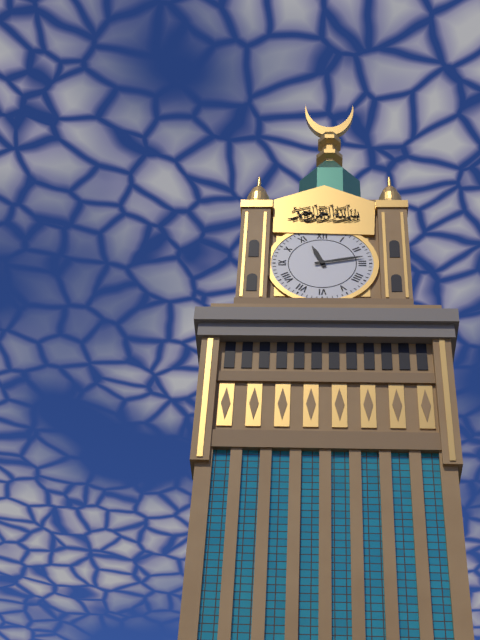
{"hour": 11, "minute": 13}
